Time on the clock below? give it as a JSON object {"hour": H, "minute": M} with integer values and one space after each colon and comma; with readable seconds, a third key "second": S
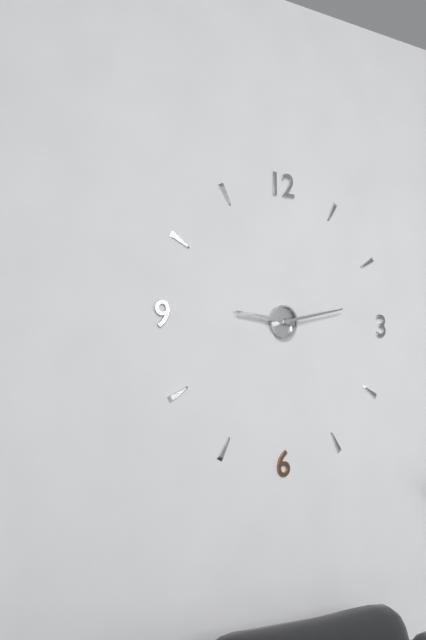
{"hour": 9, "minute": 13}
